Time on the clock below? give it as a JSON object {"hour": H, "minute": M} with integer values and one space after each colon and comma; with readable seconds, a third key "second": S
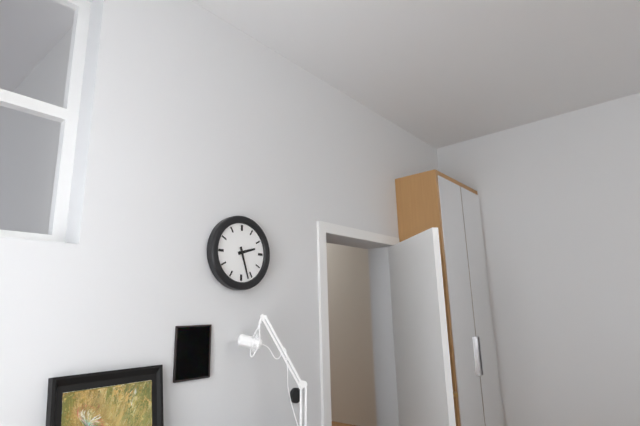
{"hour": 2, "minute": 27}
